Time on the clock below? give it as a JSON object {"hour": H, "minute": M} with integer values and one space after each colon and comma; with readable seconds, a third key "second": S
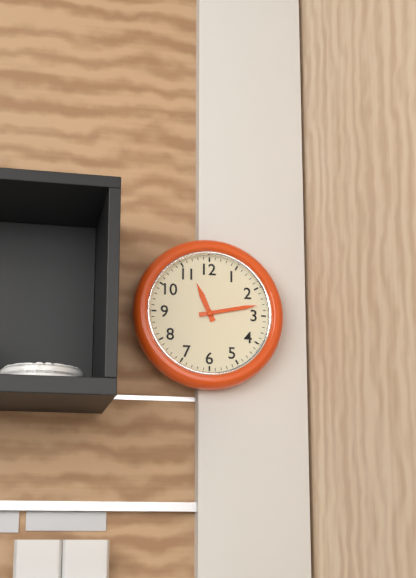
{"hour": 11, "minute": 13}
